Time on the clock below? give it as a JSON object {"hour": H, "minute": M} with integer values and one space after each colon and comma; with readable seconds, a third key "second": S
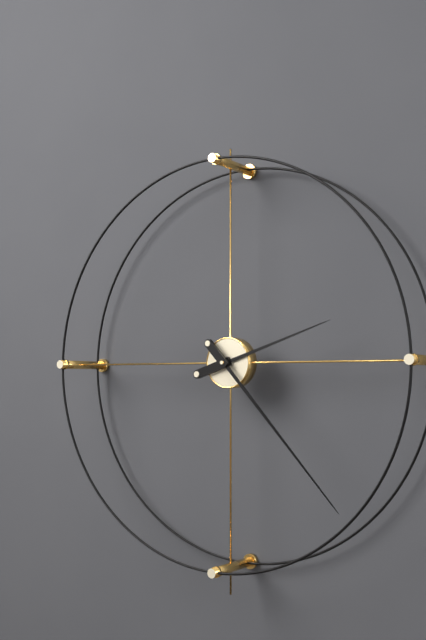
{"hour": 2, "minute": 23}
